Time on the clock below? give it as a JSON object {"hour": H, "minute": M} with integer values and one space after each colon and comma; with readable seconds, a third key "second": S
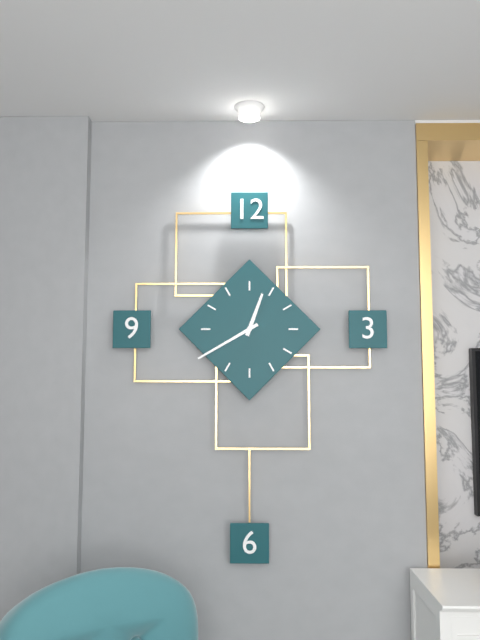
{"hour": 12, "minute": 40}
